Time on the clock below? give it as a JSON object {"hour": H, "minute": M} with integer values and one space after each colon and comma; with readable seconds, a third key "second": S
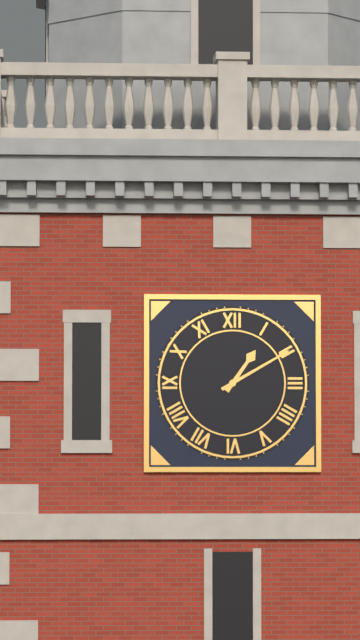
{"hour": 1, "minute": 10}
